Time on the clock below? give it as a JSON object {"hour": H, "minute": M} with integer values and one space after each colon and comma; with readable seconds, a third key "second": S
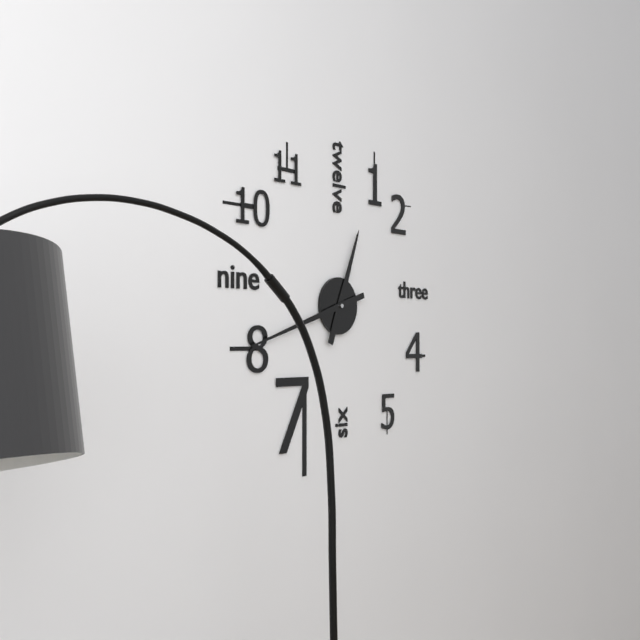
{"hour": 12, "minute": 42}
